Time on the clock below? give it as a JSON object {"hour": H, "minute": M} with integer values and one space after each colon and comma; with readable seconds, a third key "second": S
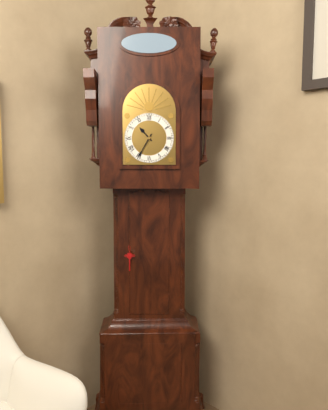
{"hour": 10, "minute": 35}
